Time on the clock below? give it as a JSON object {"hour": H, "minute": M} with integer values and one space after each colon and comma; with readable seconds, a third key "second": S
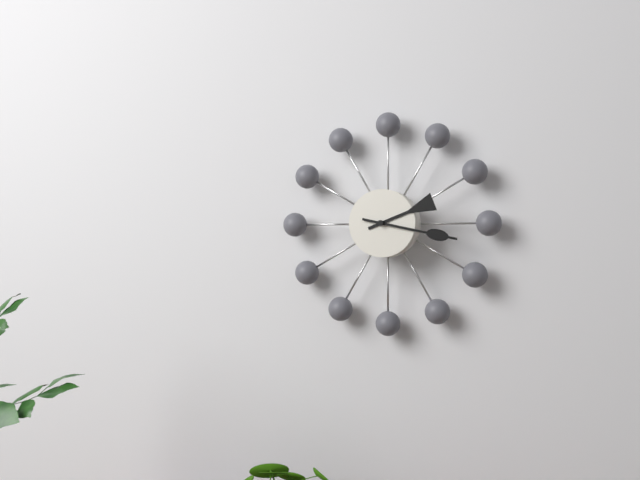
{"hour": 2, "minute": 17}
